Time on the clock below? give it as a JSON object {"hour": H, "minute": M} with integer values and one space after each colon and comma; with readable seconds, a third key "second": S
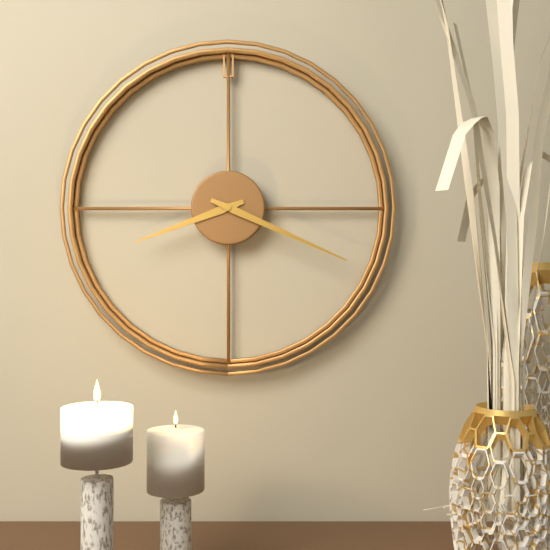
{"hour": 8, "minute": 19}
